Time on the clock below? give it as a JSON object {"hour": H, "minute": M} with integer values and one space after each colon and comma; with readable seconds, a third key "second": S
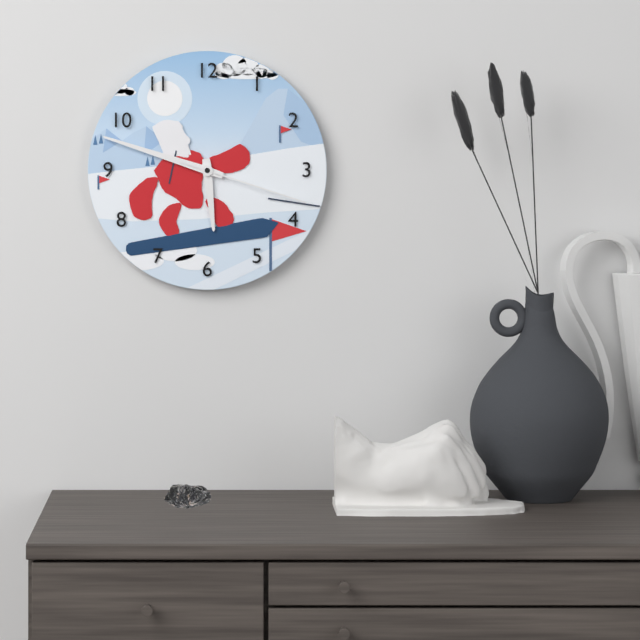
{"hour": 5, "minute": 48, "second": 18}
